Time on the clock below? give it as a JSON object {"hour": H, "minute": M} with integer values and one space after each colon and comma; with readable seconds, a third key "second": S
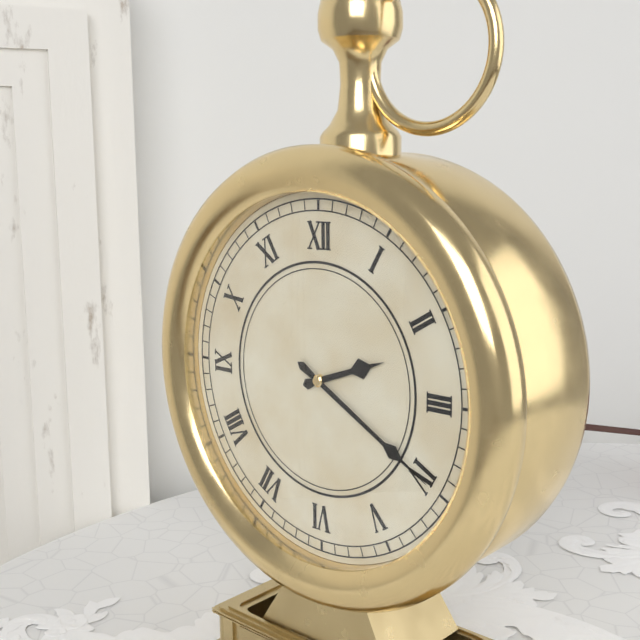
{"hour": 2, "minute": 20}
